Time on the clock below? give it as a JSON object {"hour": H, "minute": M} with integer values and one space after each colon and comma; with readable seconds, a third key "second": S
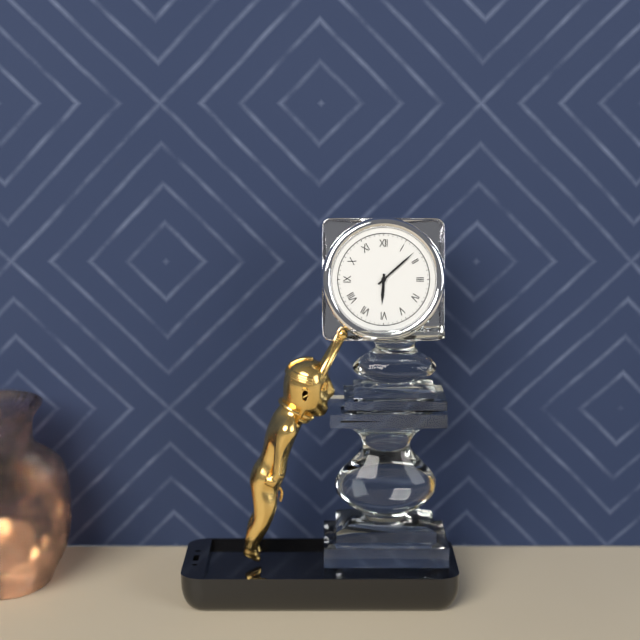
{"hour": 6, "minute": 8}
